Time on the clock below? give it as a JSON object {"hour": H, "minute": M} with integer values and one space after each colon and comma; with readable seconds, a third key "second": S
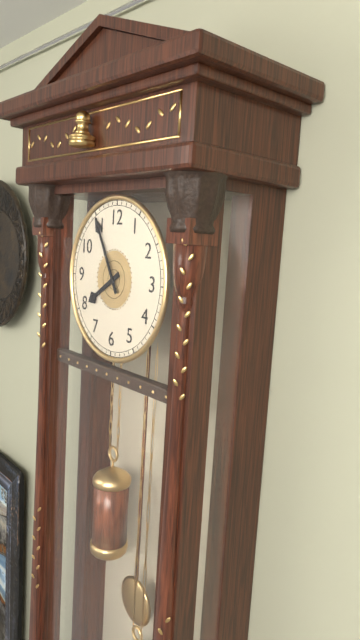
{"hour": 7, "minute": 55}
